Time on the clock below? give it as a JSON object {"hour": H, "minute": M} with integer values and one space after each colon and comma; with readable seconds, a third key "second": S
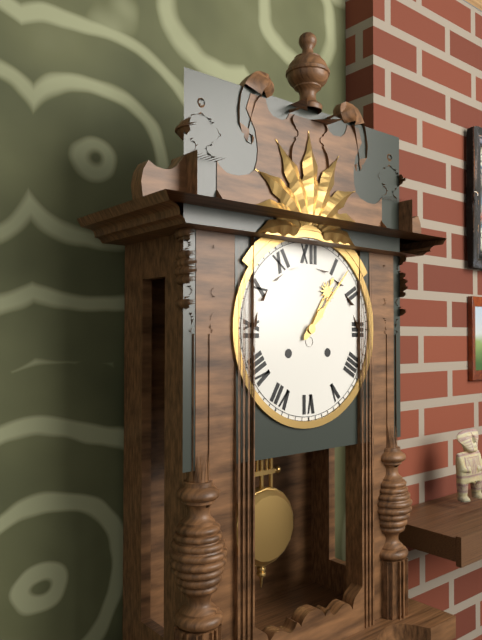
{"hour": 1, "minute": 7}
